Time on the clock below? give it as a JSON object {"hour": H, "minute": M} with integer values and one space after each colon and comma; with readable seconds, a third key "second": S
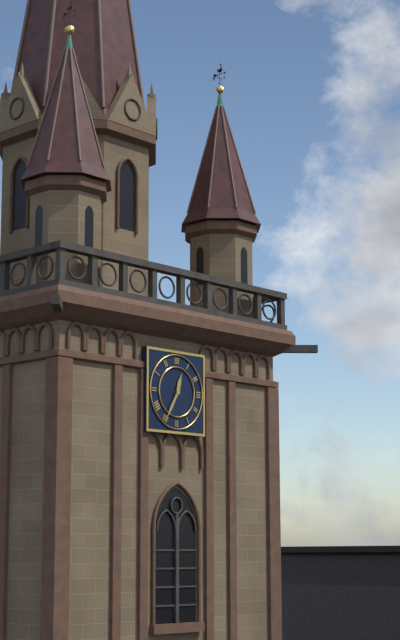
{"hour": 12, "minute": 35}
